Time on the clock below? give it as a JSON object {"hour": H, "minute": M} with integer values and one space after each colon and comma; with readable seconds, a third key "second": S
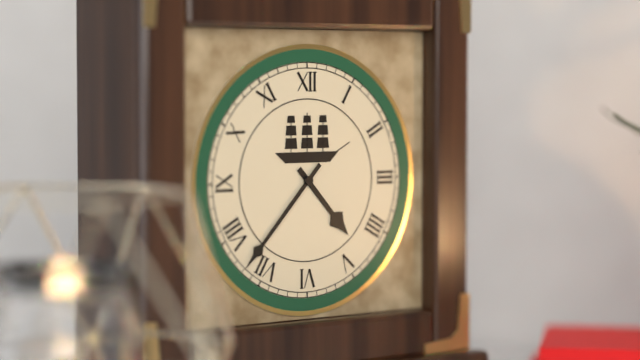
{"hour": 4, "minute": 37}
